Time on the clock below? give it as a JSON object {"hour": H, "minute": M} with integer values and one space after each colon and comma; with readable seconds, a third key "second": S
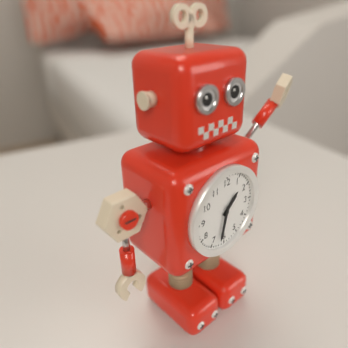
{"hour": 1, "minute": 32}
